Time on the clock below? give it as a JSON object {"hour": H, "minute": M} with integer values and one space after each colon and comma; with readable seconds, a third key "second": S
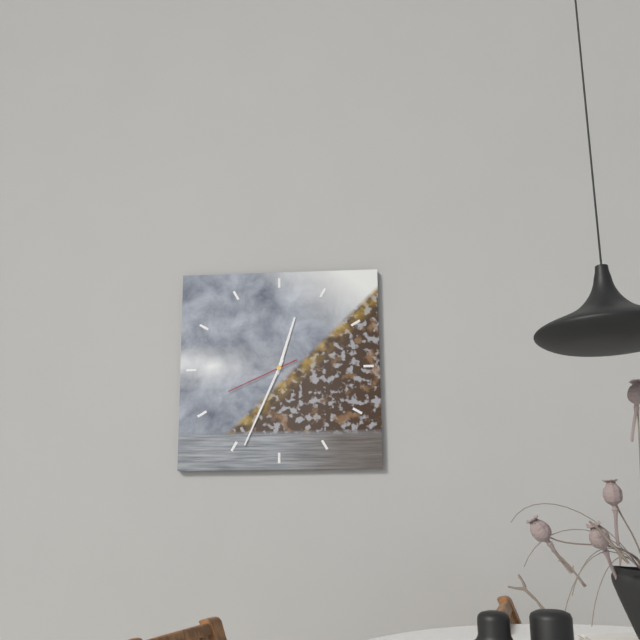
{"hour": 12, "minute": 34, "second": 41}
